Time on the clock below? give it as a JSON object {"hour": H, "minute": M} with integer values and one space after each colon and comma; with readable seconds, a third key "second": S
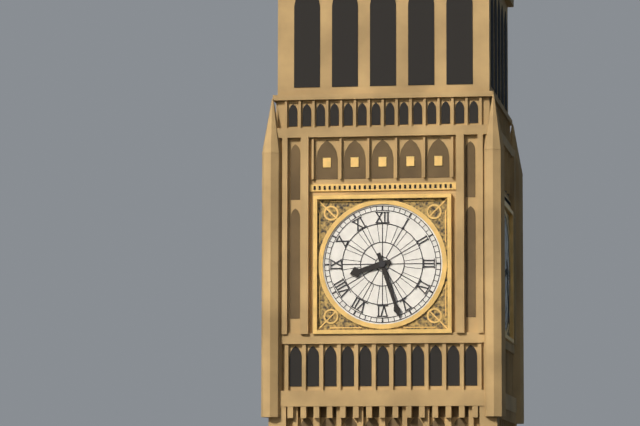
{"hour": 8, "minute": 27}
